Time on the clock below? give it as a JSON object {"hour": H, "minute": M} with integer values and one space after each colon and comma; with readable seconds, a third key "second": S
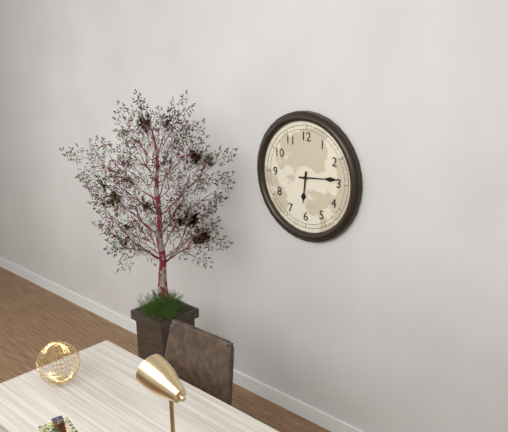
{"hour": 6, "minute": 14}
